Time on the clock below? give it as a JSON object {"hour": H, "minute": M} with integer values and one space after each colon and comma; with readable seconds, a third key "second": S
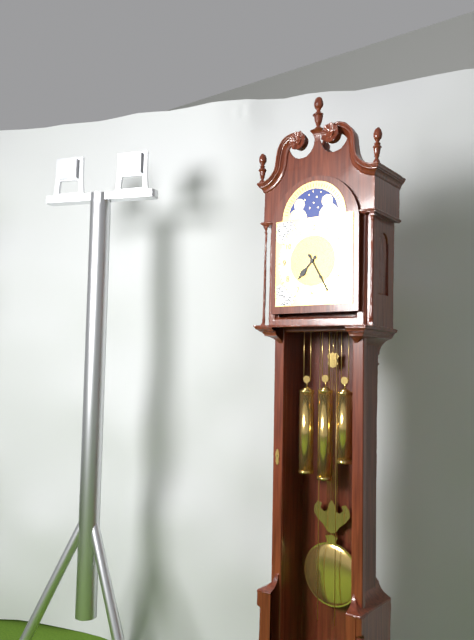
{"hour": 7, "minute": 25}
